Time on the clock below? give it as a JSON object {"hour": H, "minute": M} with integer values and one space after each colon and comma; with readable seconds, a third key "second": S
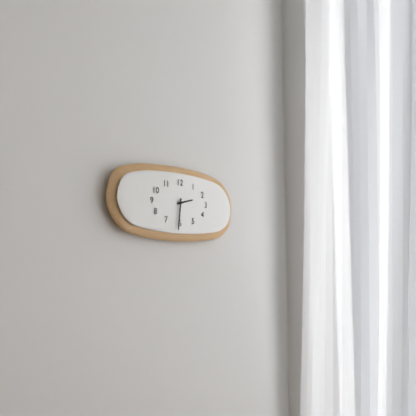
{"hour": 2, "minute": 31}
